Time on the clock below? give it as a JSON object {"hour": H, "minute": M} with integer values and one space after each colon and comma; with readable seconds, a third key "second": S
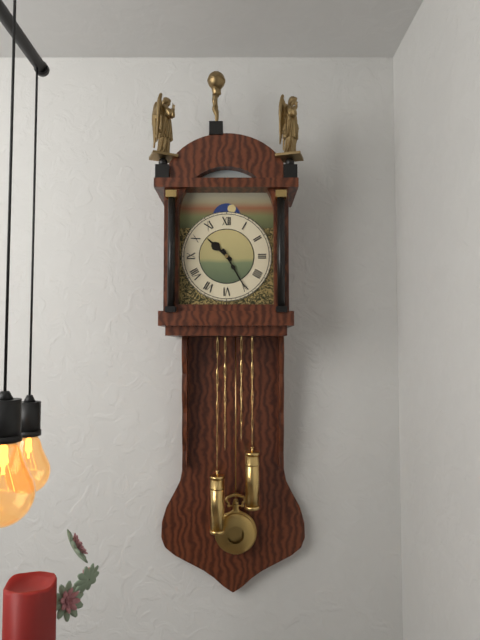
{"hour": 10, "minute": 25}
